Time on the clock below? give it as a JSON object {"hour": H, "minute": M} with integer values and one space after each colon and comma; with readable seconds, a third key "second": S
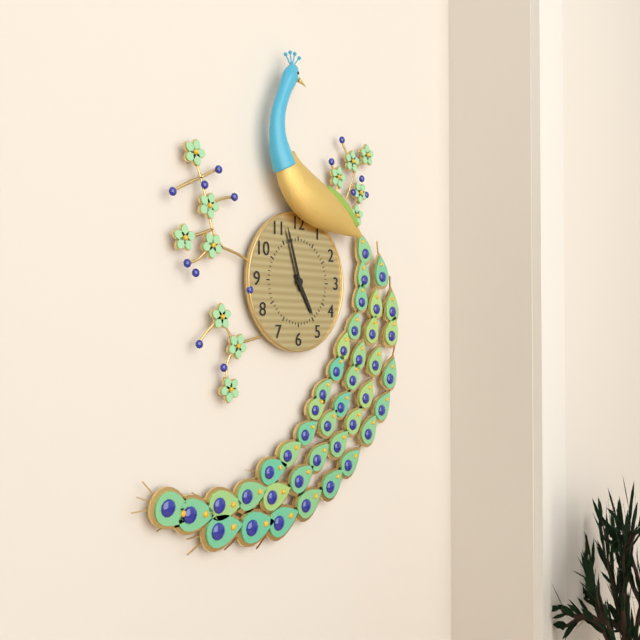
{"hour": 4, "minute": 57}
